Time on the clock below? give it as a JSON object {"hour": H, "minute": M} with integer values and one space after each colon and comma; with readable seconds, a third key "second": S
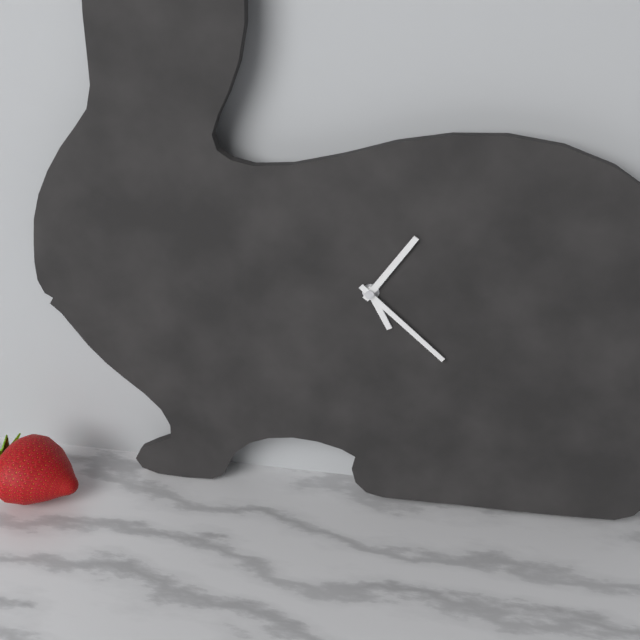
{"hour": 5, "minute": 6, "second": 22}
